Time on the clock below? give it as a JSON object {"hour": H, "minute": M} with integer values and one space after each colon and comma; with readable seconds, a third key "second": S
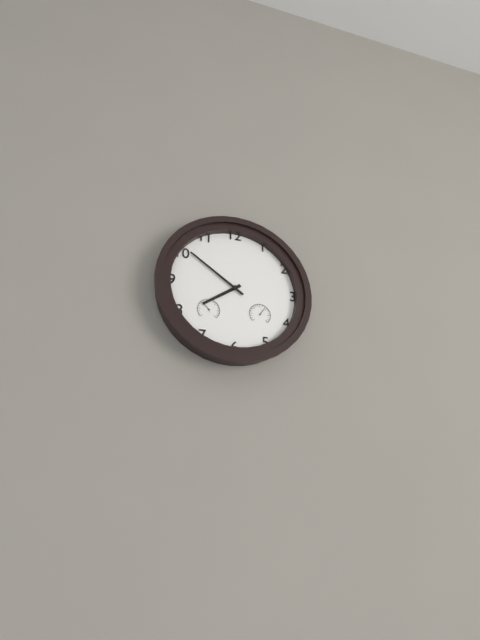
{"hour": 7, "minute": 51}
